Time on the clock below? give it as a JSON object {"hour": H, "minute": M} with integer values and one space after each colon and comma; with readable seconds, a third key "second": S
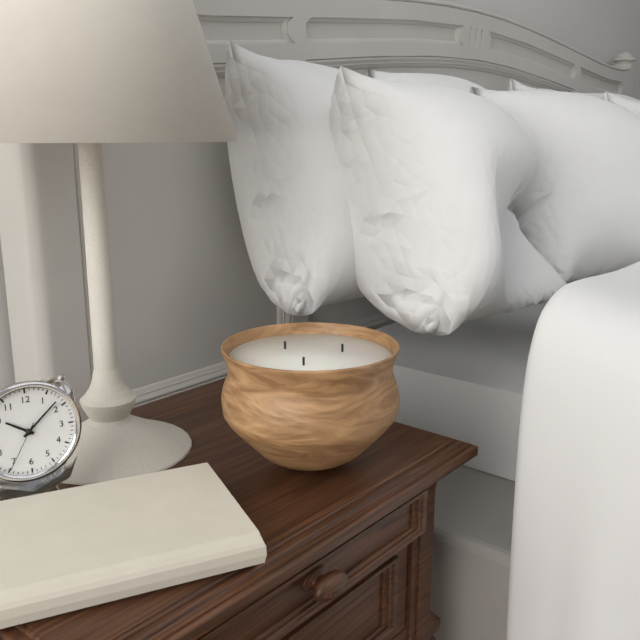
{"hour": 10, "minute": 8, "second": 35}
